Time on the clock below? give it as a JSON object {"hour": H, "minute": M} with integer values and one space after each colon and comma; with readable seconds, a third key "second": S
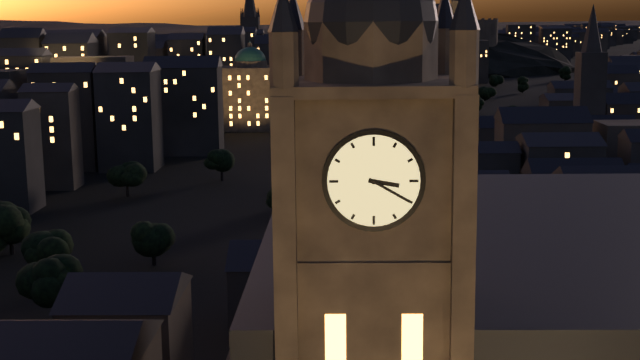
{"hour": 3, "minute": 20}
